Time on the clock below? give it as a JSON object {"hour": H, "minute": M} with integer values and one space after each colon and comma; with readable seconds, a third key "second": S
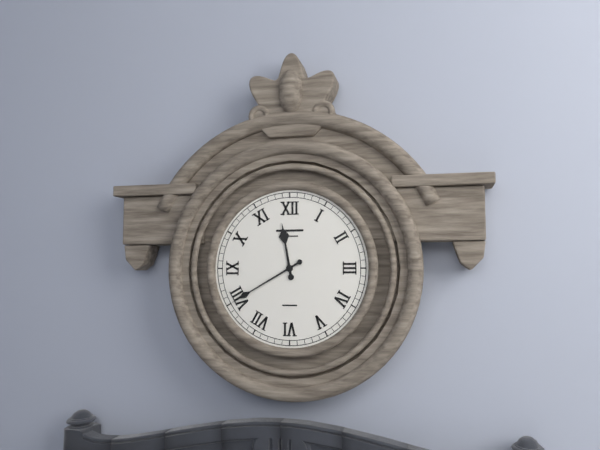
{"hour": 11, "minute": 40}
